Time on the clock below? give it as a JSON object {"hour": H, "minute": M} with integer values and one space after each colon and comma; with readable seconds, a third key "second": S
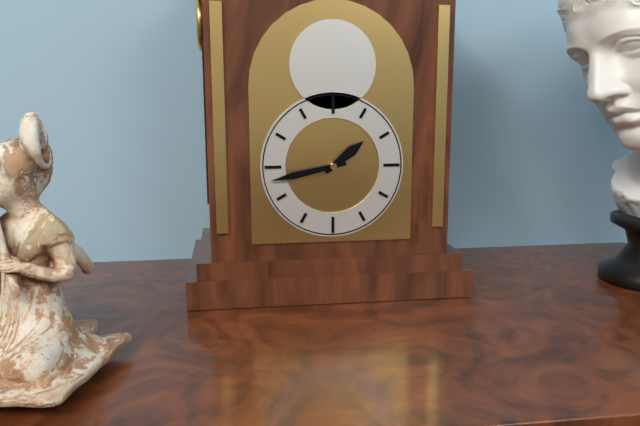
{"hour": 1, "minute": 43}
